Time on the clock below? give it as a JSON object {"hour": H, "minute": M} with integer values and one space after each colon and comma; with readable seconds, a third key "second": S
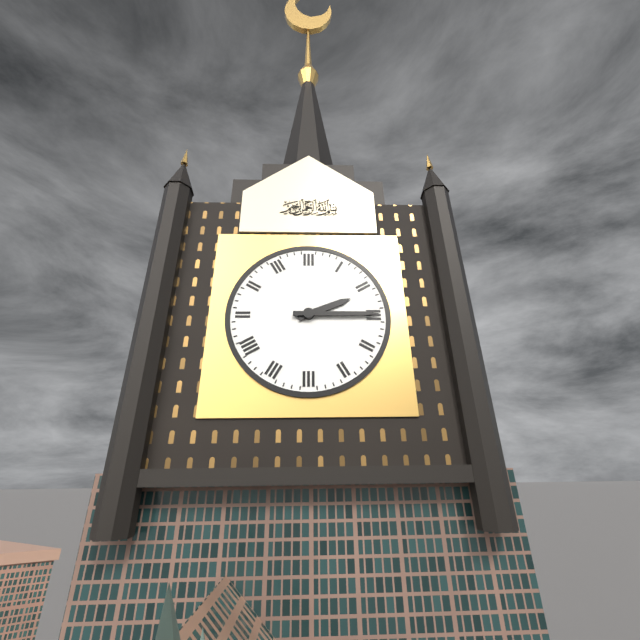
{"hour": 2, "minute": 15}
